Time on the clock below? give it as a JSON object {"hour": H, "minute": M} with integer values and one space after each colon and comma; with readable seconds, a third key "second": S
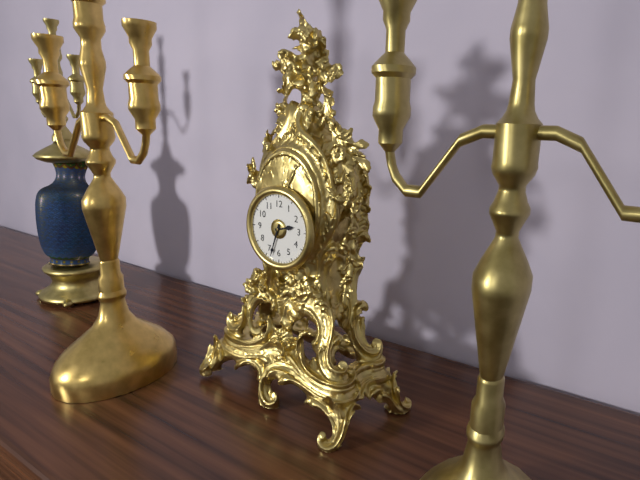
{"hour": 2, "minute": 33}
